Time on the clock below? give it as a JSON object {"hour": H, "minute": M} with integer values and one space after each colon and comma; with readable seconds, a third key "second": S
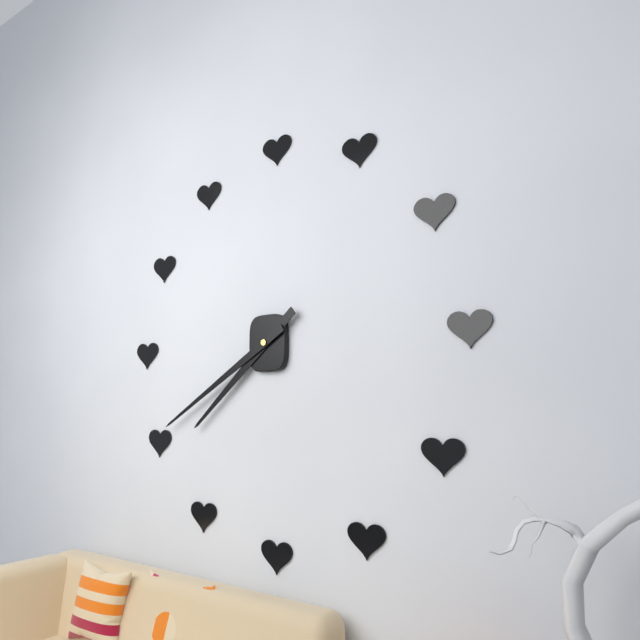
{"hour": 7, "minute": 40}
